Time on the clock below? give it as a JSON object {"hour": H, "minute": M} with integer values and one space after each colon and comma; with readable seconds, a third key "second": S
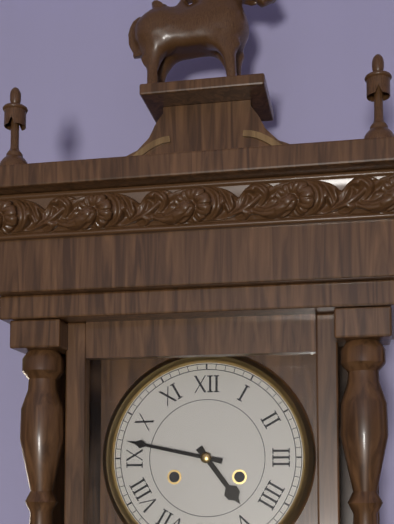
{"hour": 4, "minute": 47}
